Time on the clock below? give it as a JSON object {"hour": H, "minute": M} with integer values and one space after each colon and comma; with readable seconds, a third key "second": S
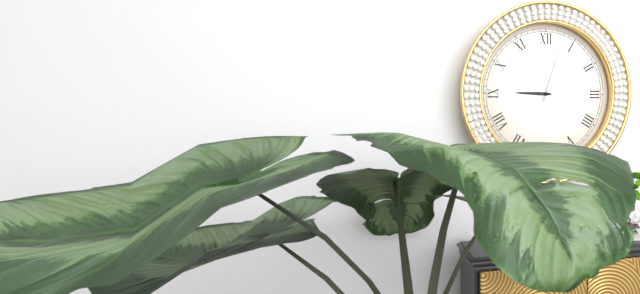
{"hour": 9, "minute": 3}
